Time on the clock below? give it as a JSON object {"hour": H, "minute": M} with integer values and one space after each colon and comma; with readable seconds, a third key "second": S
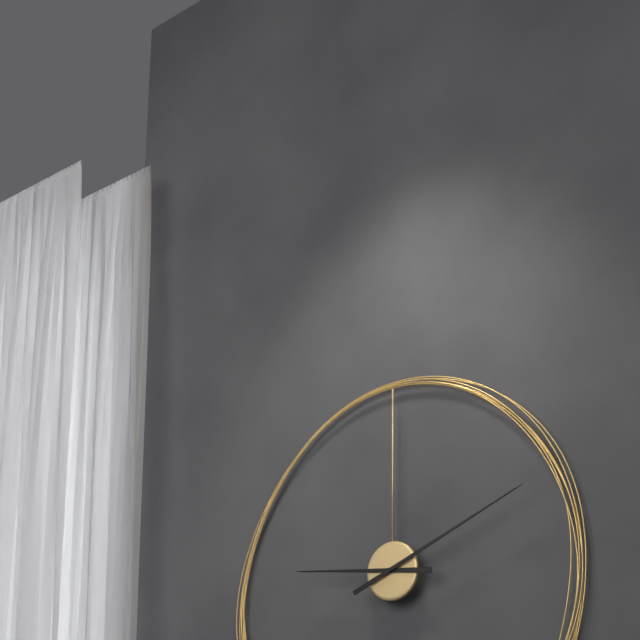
{"hour": 9, "minute": 11}
